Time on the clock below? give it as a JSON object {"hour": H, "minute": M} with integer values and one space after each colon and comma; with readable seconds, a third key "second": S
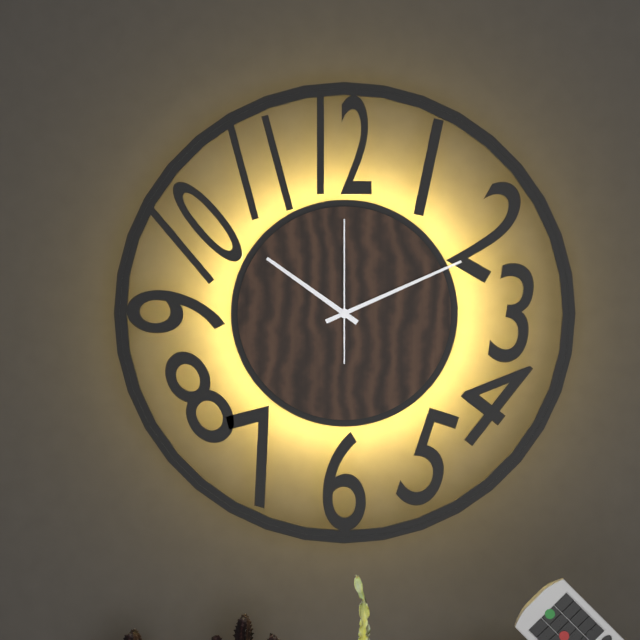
{"hour": 10, "minute": 11, "second": 0}
